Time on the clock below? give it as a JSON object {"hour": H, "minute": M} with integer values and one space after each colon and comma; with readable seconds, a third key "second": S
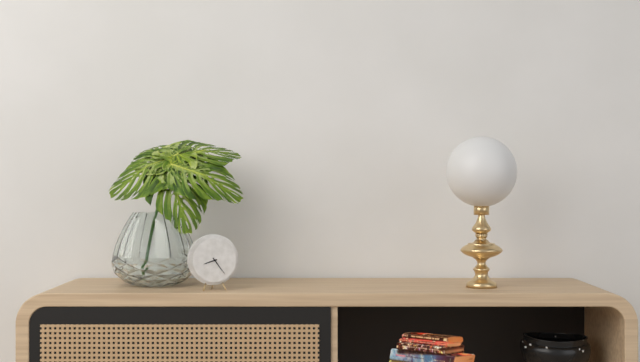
{"hour": 8, "minute": 24}
